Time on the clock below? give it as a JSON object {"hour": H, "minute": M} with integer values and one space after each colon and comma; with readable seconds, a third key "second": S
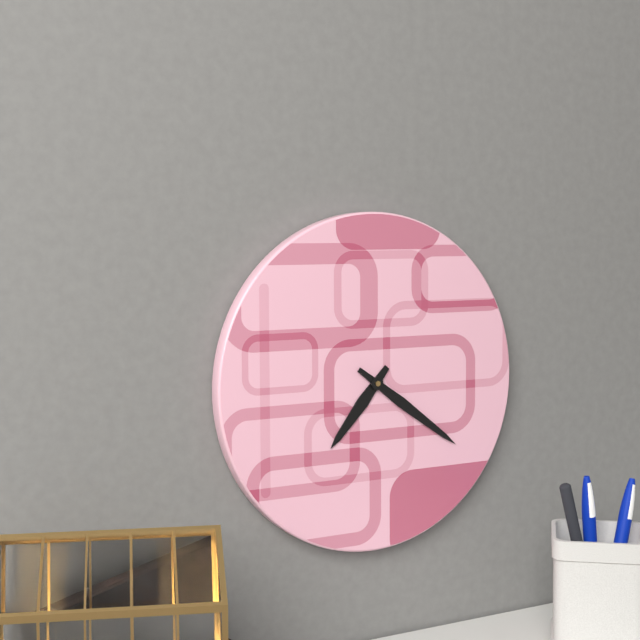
{"hour": 7, "minute": 21}
